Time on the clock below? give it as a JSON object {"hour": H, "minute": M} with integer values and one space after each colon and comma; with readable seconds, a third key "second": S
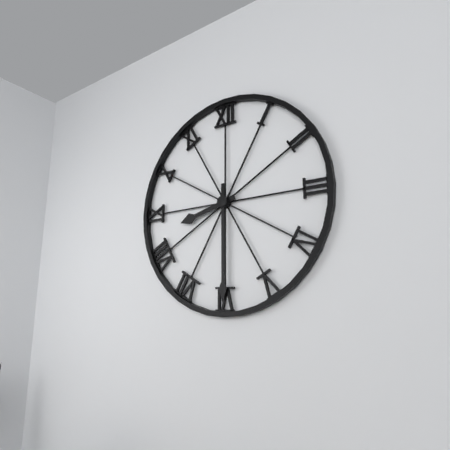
{"hour": 8, "minute": 30}
